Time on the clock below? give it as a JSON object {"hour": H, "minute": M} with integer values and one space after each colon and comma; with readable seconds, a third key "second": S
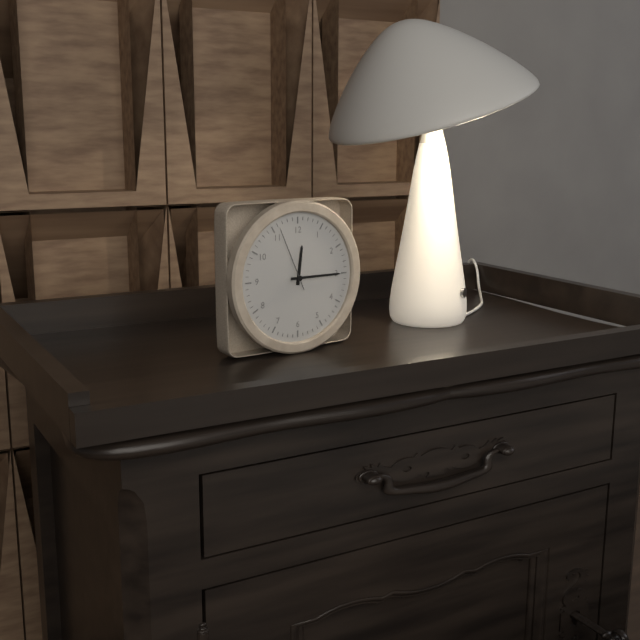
{"hour": 12, "minute": 15, "second": 56}
